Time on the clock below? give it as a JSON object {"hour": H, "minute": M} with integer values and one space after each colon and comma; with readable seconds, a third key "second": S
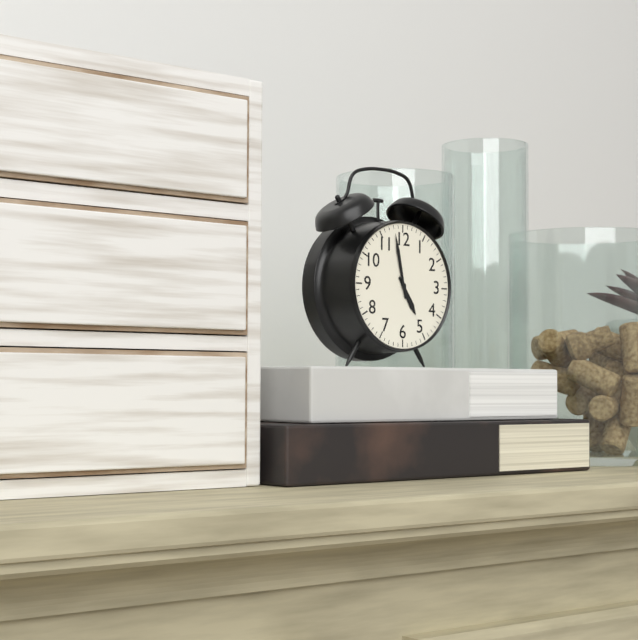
{"hour": 4, "minute": 58}
